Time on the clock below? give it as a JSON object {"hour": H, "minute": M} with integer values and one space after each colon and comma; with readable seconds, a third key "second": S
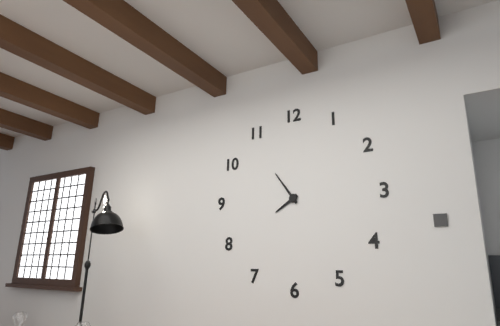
{"hour": 7, "minute": 54}
